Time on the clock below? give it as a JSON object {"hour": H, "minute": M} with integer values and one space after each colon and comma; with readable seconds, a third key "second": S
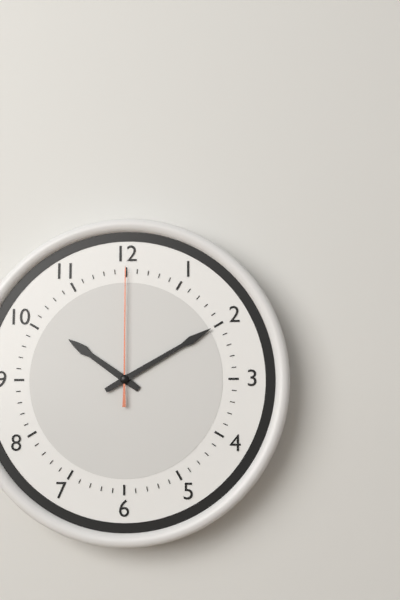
{"hour": 10, "minute": 10, "second": 0}
